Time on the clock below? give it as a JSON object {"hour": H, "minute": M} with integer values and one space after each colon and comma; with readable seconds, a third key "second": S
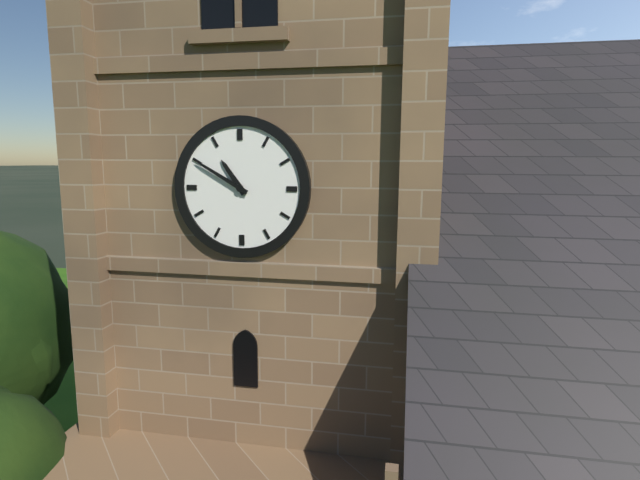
{"hour": 10, "minute": 50}
